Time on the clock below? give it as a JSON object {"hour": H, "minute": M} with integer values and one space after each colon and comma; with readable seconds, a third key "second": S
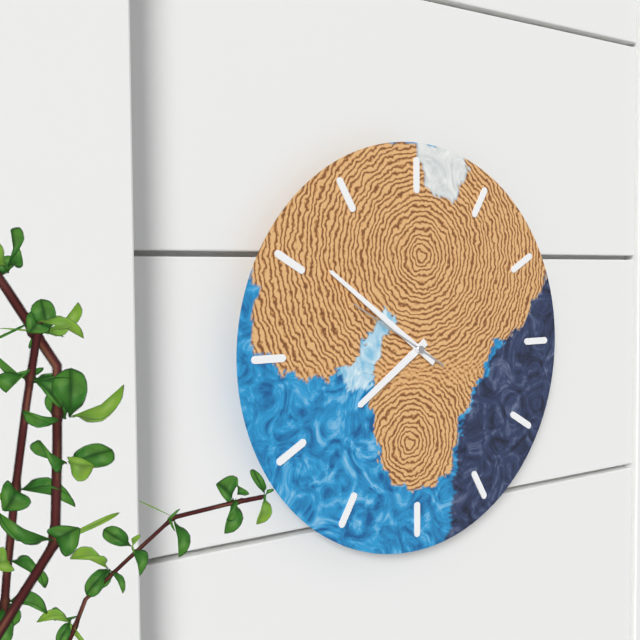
{"hour": 7, "minute": 51, "second": 50}
